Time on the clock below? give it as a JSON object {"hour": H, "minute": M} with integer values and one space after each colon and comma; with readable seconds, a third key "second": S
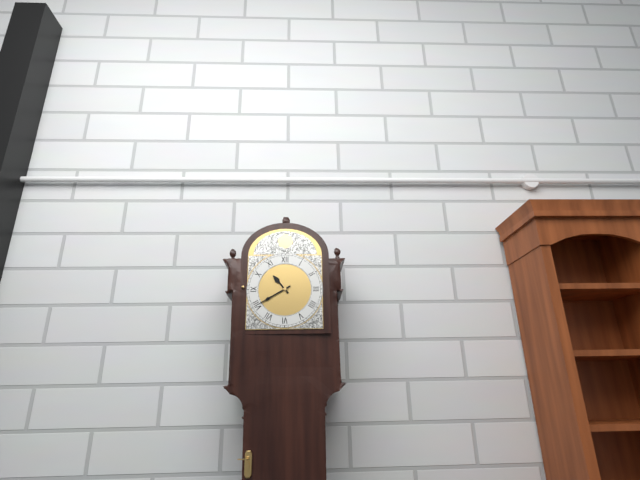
{"hour": 10, "minute": 40}
